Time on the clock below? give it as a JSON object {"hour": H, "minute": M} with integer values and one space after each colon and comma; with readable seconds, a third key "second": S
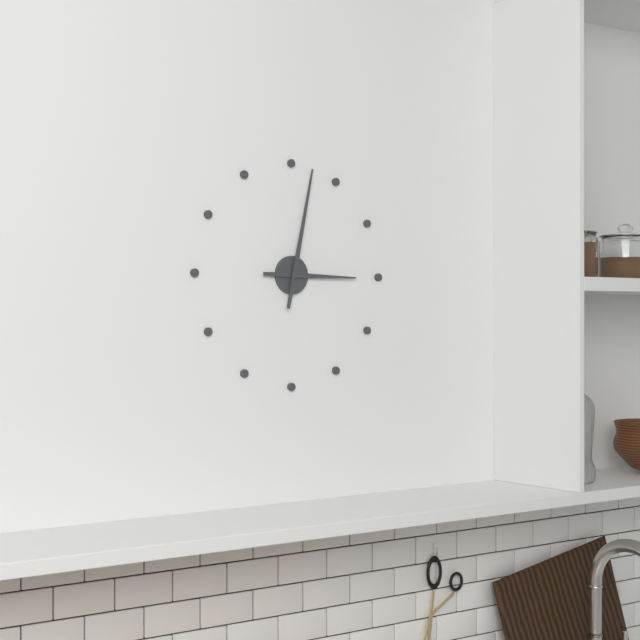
{"hour": 3, "minute": 2}
